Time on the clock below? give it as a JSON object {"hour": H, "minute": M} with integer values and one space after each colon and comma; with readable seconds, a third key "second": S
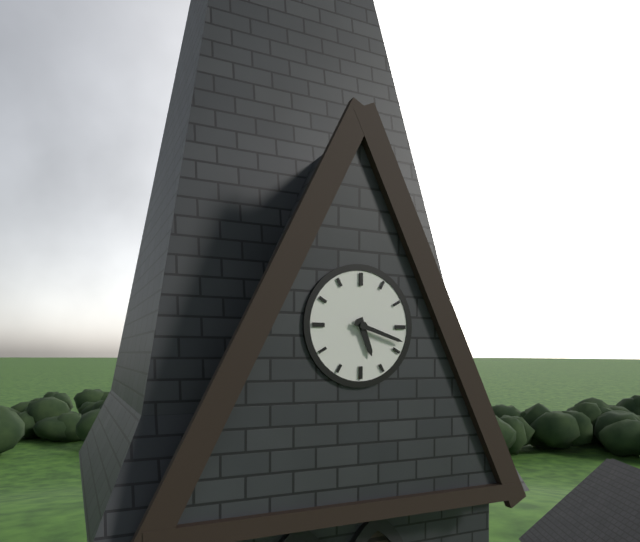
{"hour": 5, "minute": 18}
